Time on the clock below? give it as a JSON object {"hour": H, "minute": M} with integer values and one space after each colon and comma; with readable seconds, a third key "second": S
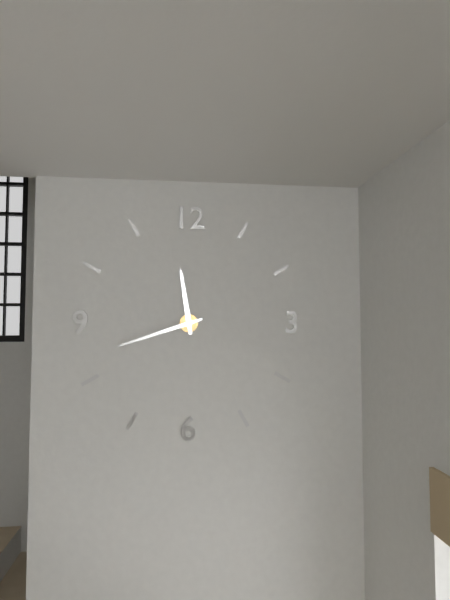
{"hour": 11, "minute": 42}
